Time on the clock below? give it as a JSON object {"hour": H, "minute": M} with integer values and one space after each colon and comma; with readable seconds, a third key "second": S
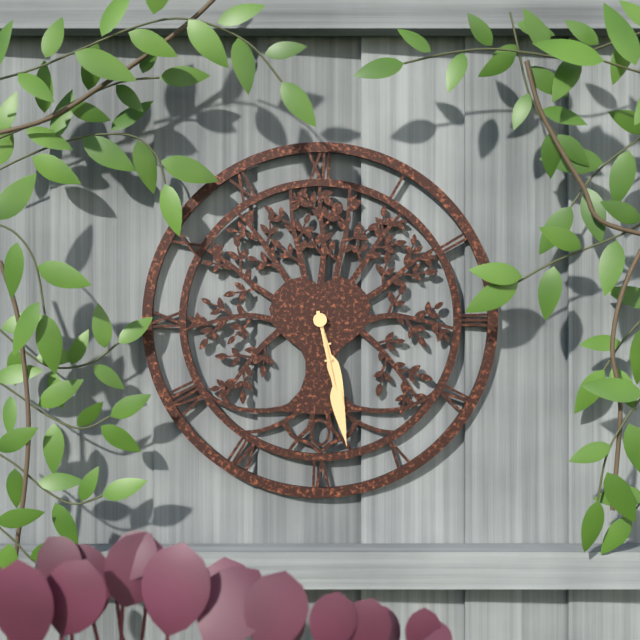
{"hour": 5, "minute": 28}
